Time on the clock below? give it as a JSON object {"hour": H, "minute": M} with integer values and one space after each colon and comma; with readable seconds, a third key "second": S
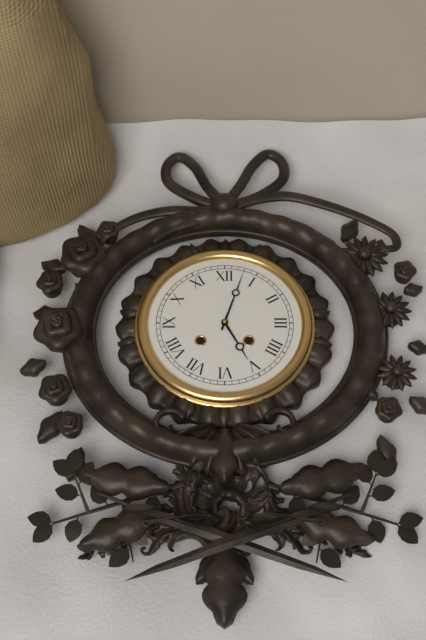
{"hour": 5, "minute": 3}
